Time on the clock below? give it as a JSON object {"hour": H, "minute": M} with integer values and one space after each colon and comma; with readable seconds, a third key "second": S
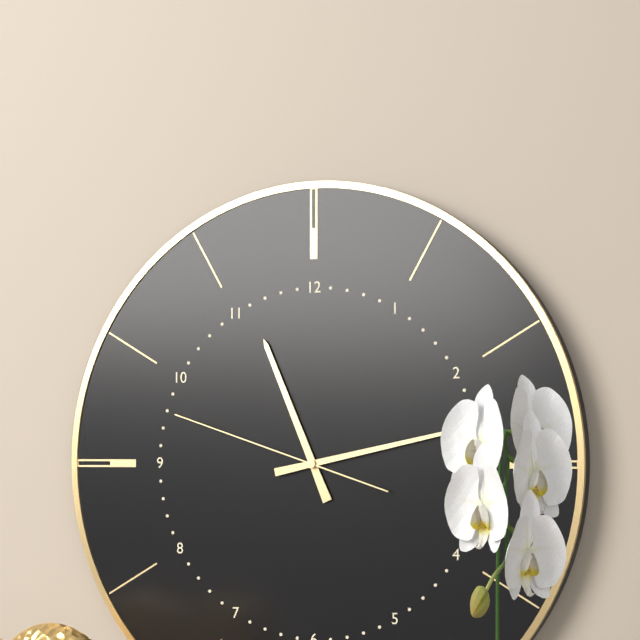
{"hour": 11, "minute": 13, "second": 48}
